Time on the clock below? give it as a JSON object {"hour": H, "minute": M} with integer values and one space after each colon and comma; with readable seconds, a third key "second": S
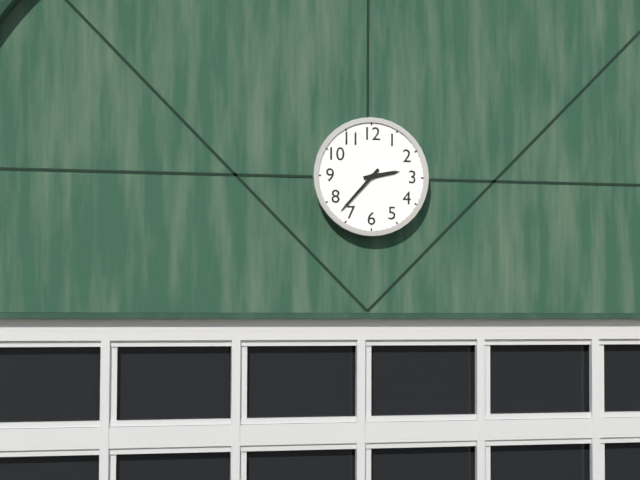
{"hour": 2, "minute": 37}
